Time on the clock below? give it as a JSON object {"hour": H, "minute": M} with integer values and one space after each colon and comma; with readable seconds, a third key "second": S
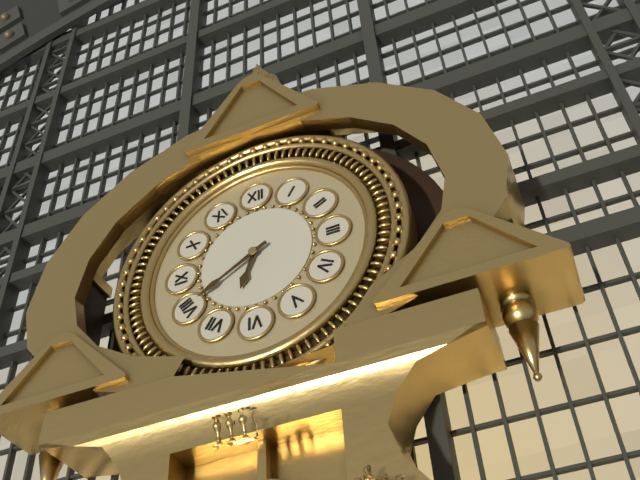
{"hour": 6, "minute": 40}
